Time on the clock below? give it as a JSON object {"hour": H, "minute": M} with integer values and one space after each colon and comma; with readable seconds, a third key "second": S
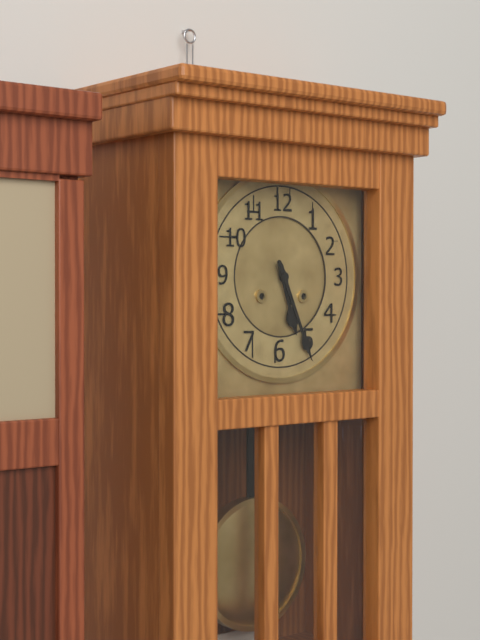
{"hour": 5, "minute": 26}
